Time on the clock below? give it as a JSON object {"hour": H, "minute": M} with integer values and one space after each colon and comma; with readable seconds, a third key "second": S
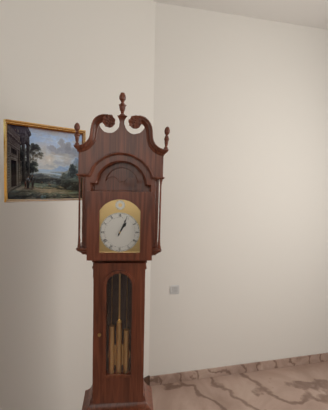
{"hour": 1, "minute": 4}
